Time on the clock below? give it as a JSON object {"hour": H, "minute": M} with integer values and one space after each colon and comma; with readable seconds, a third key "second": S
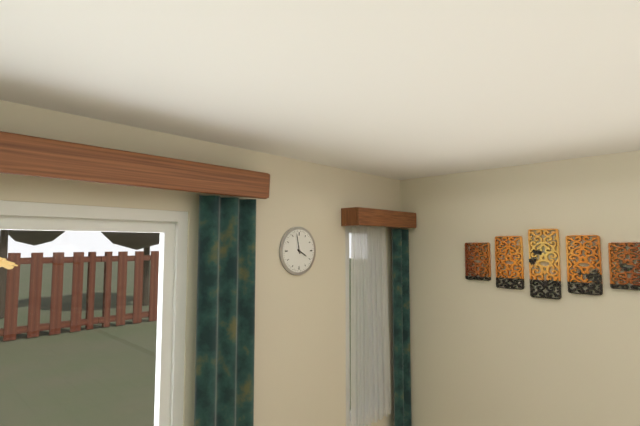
{"hour": 3, "minute": 58}
